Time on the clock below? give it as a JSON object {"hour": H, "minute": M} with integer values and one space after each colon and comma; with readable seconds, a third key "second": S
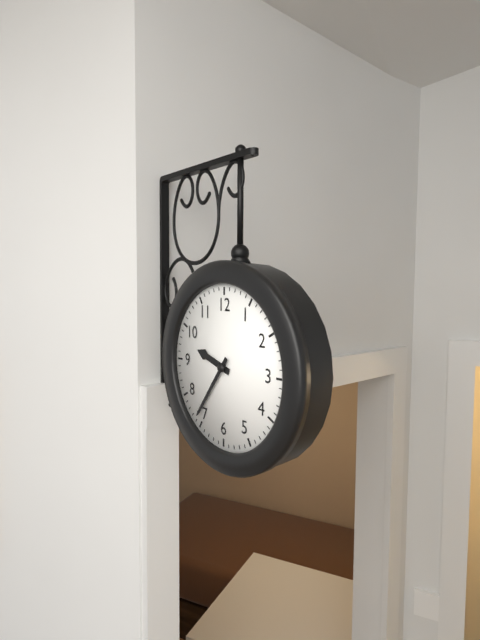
{"hour": 9, "minute": 36}
